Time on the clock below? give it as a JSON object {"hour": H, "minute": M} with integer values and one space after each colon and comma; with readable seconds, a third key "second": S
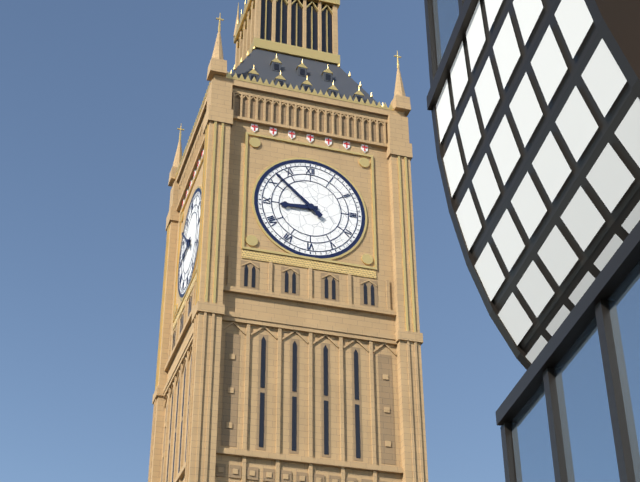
{"hour": 8, "minute": 52}
